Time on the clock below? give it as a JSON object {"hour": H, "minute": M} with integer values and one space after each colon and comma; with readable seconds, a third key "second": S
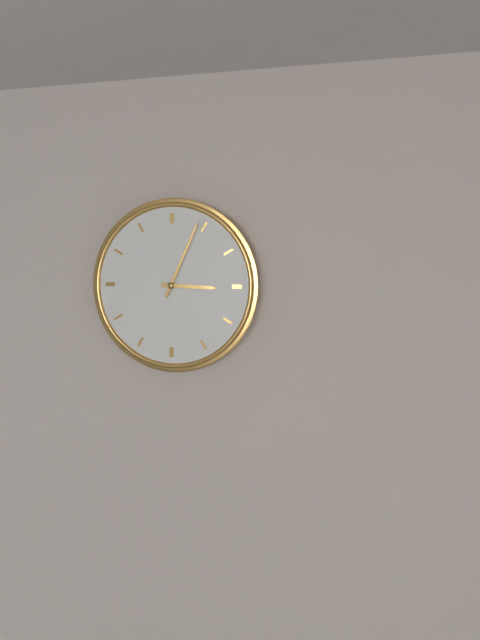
{"hour": 3, "minute": 4}
